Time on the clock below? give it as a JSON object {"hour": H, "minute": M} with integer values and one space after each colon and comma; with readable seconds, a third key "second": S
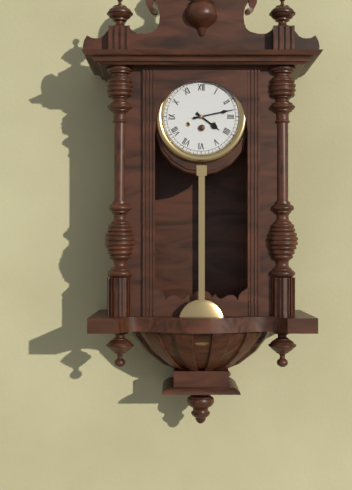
{"hour": 4, "minute": 13}
